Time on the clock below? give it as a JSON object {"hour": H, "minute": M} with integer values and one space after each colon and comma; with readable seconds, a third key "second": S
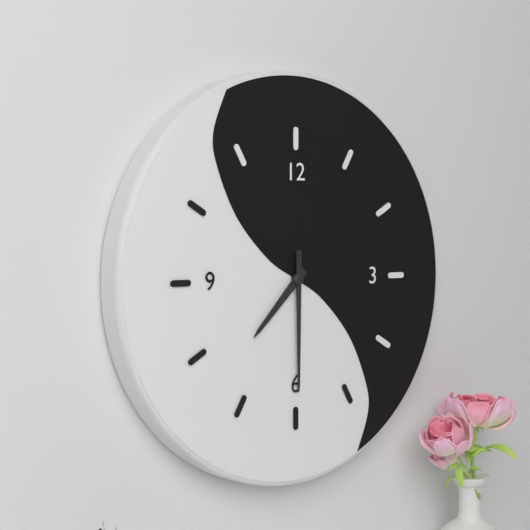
{"hour": 7, "minute": 30}
